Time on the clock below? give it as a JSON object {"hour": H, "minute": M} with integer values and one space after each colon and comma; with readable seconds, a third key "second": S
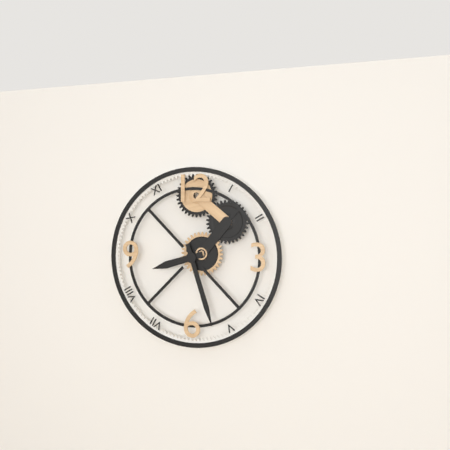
{"hour": 8, "minute": 27}
